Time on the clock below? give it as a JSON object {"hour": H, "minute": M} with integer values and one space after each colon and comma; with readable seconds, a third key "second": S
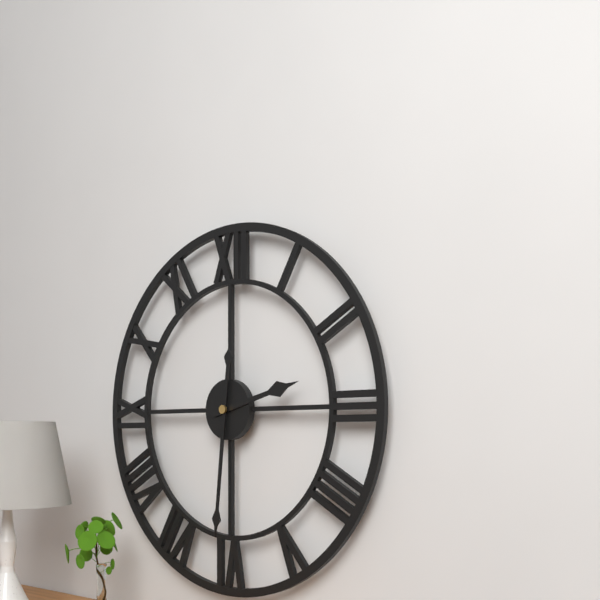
{"hour": 2, "minute": 31}
